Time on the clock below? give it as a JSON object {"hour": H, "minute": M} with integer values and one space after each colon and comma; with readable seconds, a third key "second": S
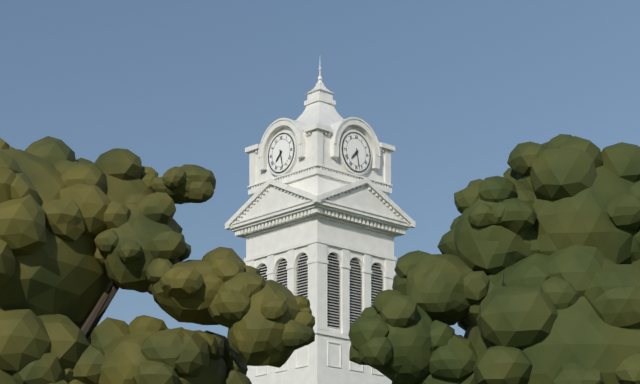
{"hour": 7, "minute": 28}
